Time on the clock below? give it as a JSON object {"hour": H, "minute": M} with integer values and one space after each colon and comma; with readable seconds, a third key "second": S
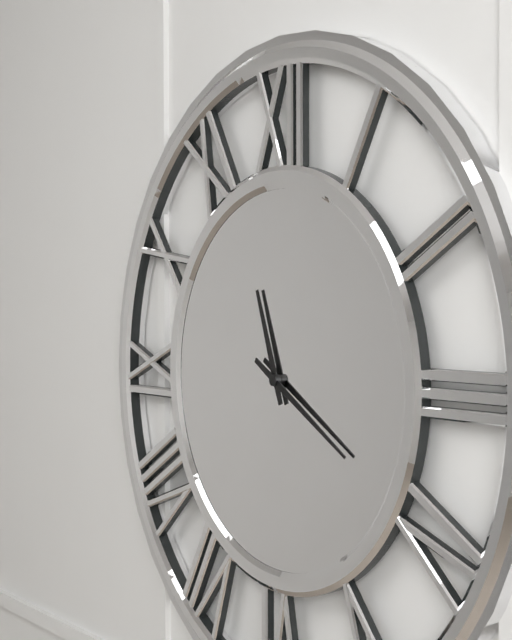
{"hour": 11, "minute": 20}
